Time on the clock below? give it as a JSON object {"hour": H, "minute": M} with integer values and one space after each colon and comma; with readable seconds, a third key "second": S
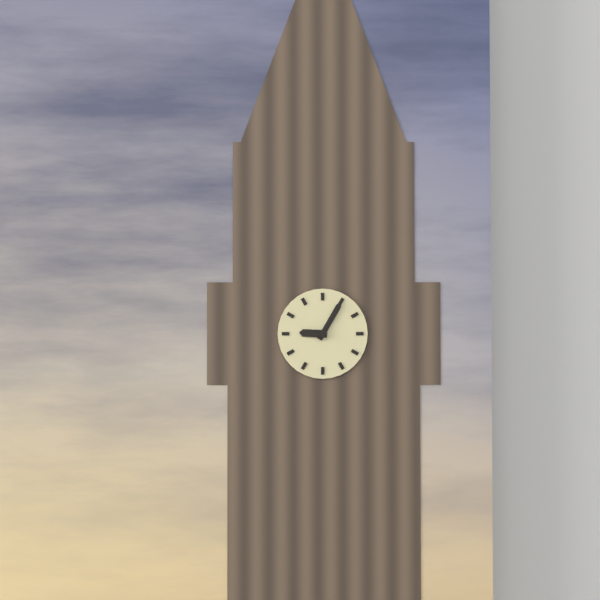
{"hour": 9, "minute": 5}
